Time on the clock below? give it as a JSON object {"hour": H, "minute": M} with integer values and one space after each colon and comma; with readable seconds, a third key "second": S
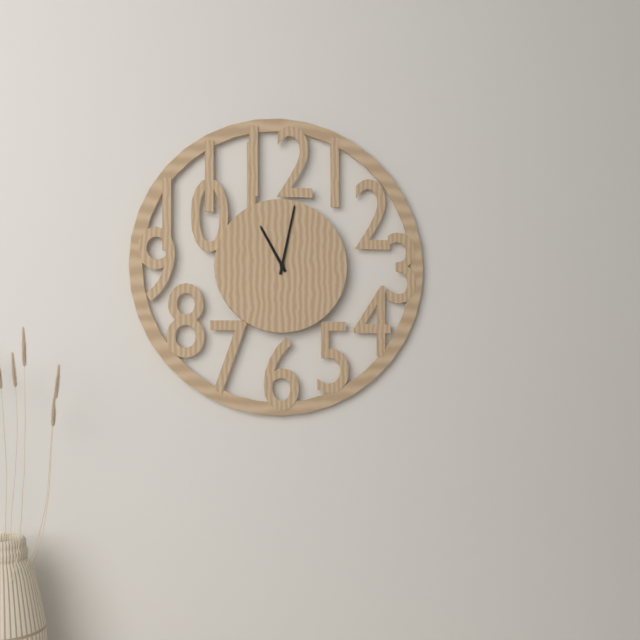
{"hour": 11, "minute": 2}
